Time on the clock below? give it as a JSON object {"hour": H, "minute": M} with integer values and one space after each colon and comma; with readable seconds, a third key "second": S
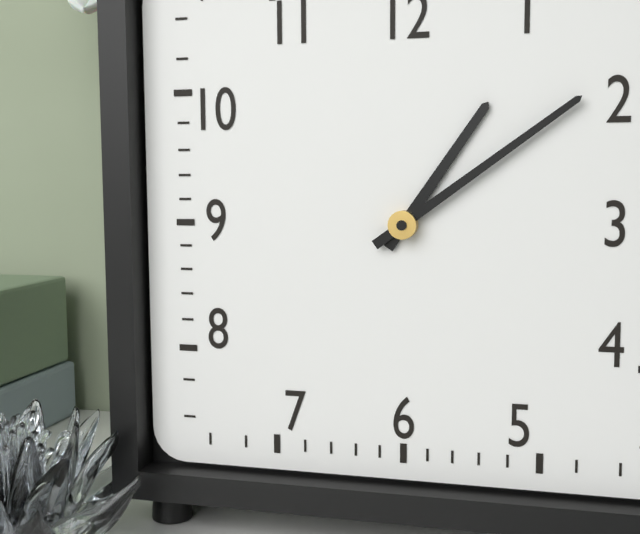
{"hour": 1, "minute": 9}
